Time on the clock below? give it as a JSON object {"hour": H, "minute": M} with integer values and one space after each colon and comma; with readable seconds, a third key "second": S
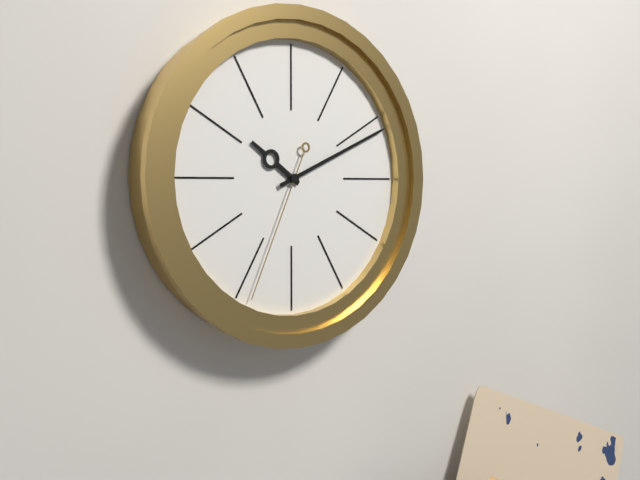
{"hour": 10, "minute": 11, "second": 34}
